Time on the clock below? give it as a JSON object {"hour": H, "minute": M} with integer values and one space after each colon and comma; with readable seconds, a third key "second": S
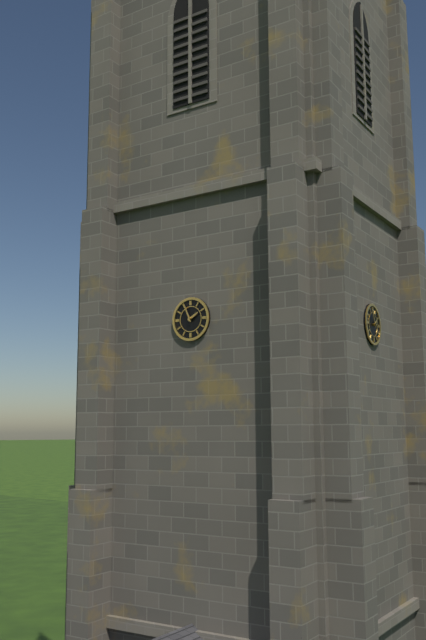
{"hour": 1, "minute": 56}
